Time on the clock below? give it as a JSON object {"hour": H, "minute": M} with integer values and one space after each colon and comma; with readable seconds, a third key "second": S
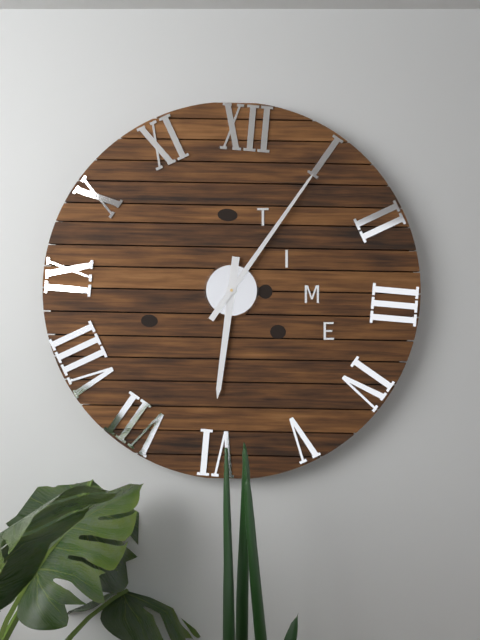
{"hour": 6, "minute": 5}
